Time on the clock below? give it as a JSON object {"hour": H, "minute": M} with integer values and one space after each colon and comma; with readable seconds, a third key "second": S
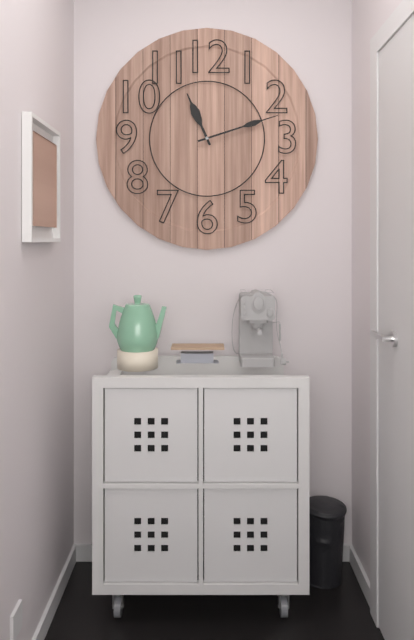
{"hour": 11, "minute": 12}
